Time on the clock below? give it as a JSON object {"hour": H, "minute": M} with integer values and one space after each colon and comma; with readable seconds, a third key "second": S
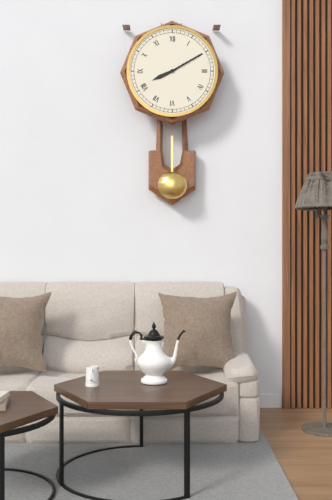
{"hour": 8, "minute": 10}
